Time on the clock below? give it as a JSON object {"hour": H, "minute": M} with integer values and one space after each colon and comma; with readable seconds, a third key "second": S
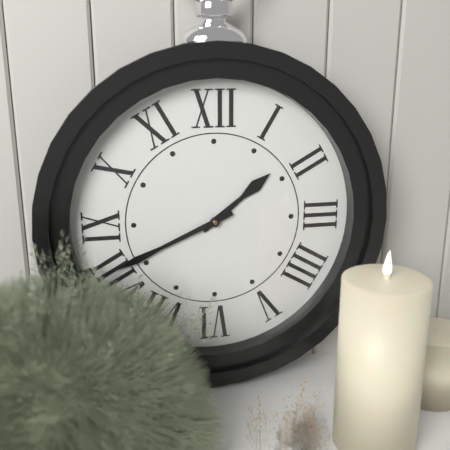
{"hour": 1, "minute": 41}
